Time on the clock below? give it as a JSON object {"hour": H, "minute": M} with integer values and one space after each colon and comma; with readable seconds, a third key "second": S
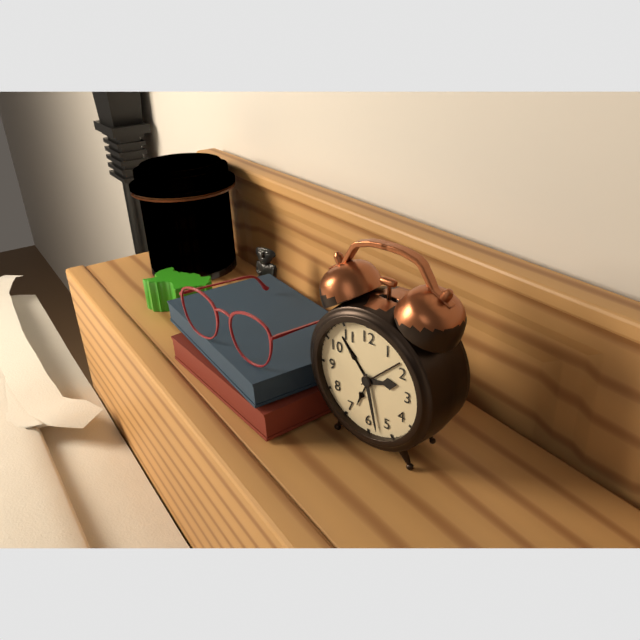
{"hour": 2, "minute": 28}
